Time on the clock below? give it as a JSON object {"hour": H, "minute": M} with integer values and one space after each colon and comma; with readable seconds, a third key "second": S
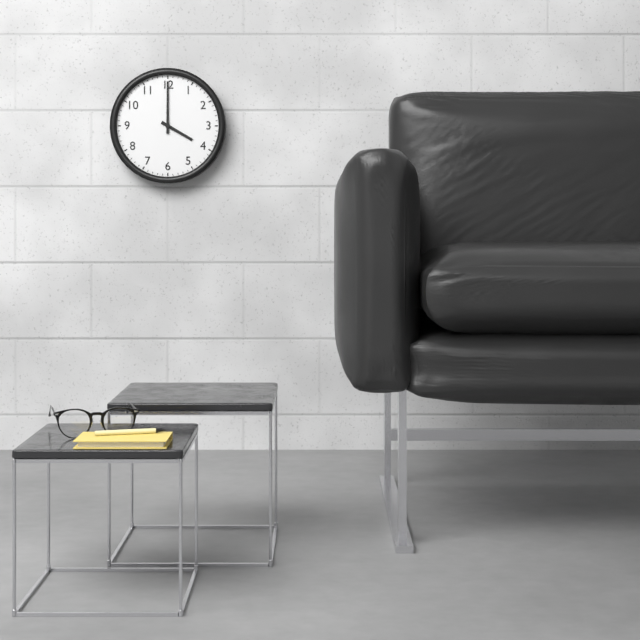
{"hour": 4, "minute": 0}
